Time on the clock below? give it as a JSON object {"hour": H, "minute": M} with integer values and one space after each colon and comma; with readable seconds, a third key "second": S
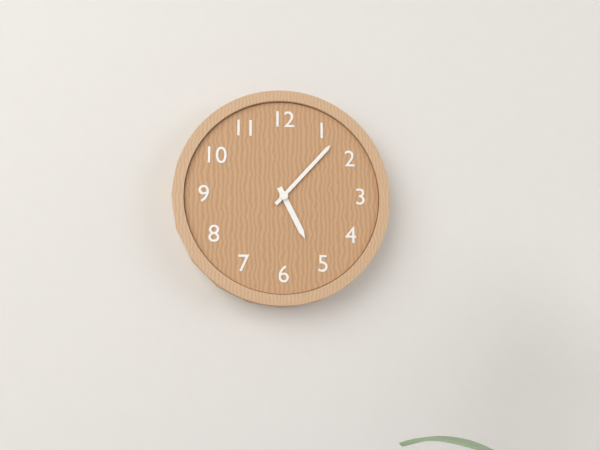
{"hour": 5, "minute": 7}
